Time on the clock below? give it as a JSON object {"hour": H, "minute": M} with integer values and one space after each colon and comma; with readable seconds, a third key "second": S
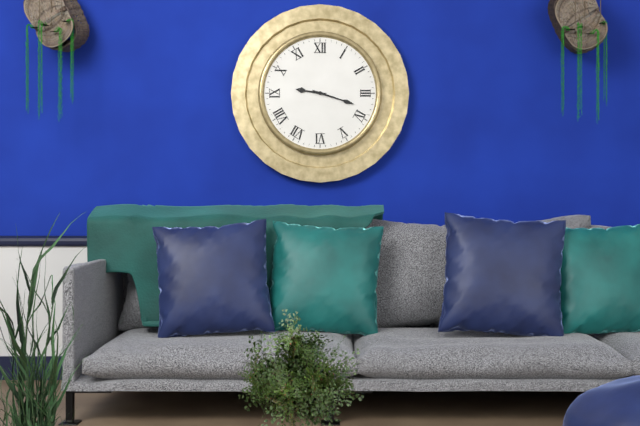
{"hour": 9, "minute": 18}
